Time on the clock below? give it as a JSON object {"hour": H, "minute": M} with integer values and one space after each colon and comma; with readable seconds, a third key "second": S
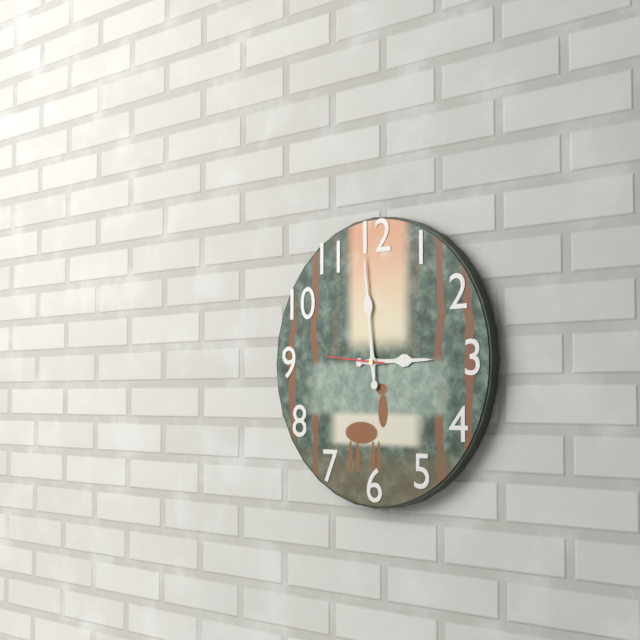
{"hour": 2, "minute": 59, "second": 46}
